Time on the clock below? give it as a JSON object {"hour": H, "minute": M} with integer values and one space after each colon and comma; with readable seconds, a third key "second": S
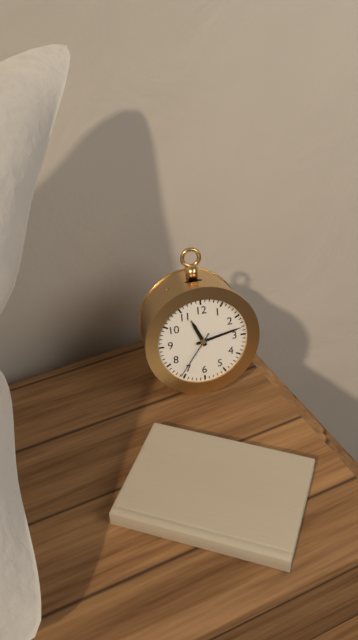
{"hour": 11, "minute": 13, "second": 36}
